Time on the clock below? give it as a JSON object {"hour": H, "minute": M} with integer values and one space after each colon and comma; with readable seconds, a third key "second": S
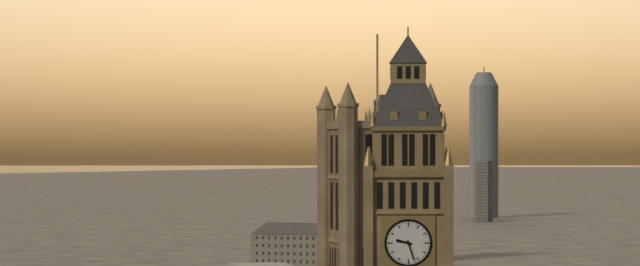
{"hour": 9, "minute": 27}
